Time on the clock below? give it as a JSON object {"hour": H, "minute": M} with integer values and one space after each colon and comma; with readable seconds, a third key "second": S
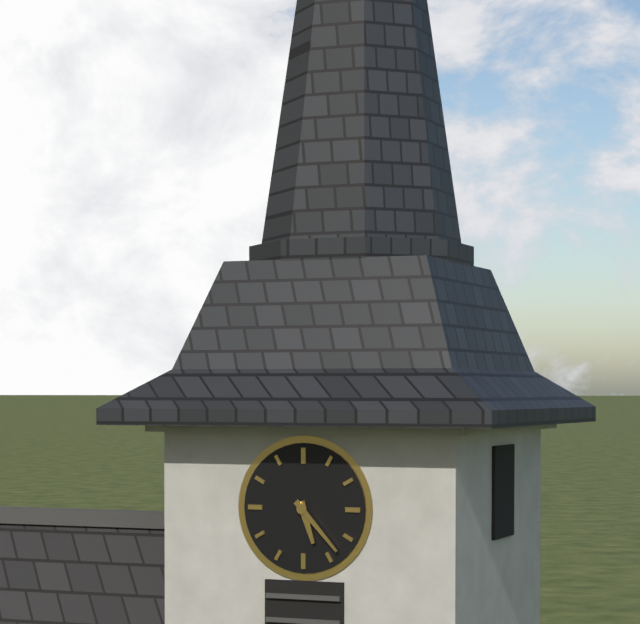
{"hour": 5, "minute": 23}
